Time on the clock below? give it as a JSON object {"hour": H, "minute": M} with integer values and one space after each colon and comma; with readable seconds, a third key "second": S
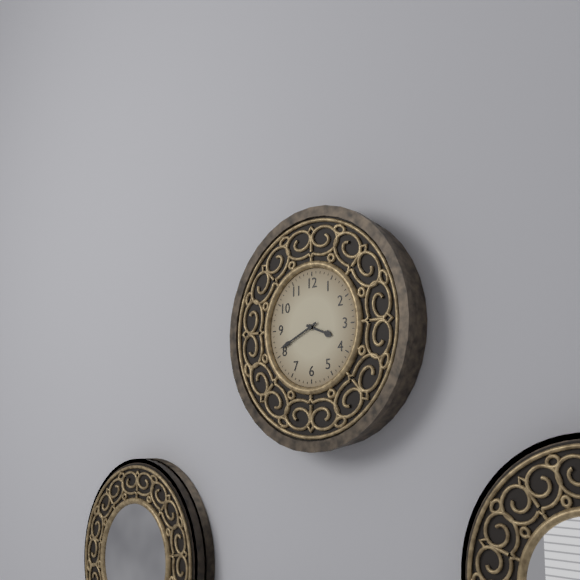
{"hour": 3, "minute": 41}
